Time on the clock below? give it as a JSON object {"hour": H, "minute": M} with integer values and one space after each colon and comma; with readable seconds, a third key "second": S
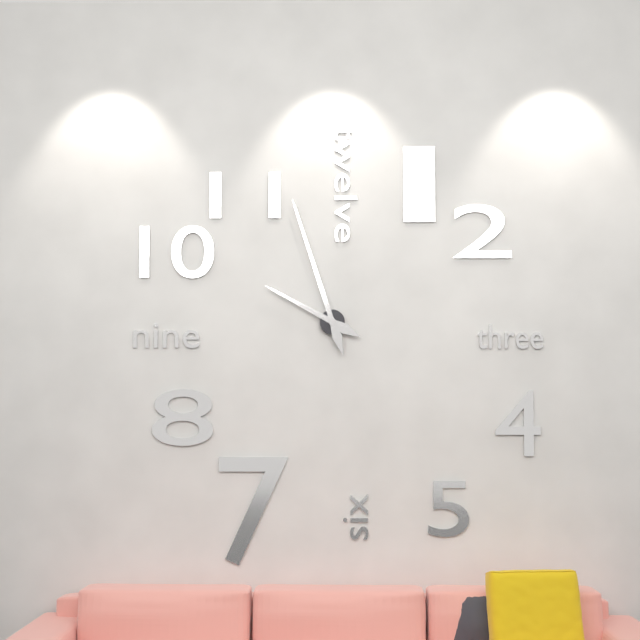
{"hour": 9, "minute": 57}
